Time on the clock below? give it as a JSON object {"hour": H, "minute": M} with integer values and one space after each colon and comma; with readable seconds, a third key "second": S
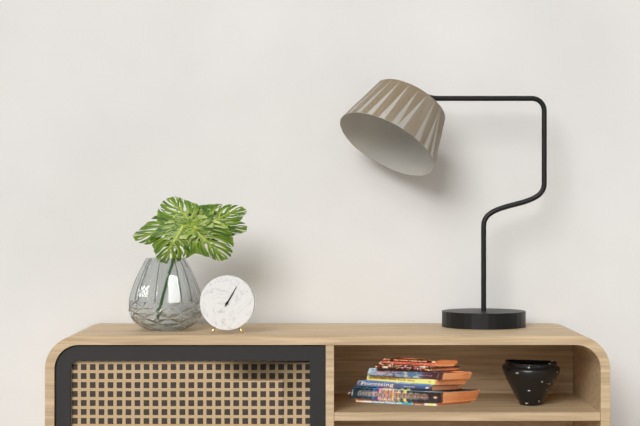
{"hour": 1, "minute": 5}
